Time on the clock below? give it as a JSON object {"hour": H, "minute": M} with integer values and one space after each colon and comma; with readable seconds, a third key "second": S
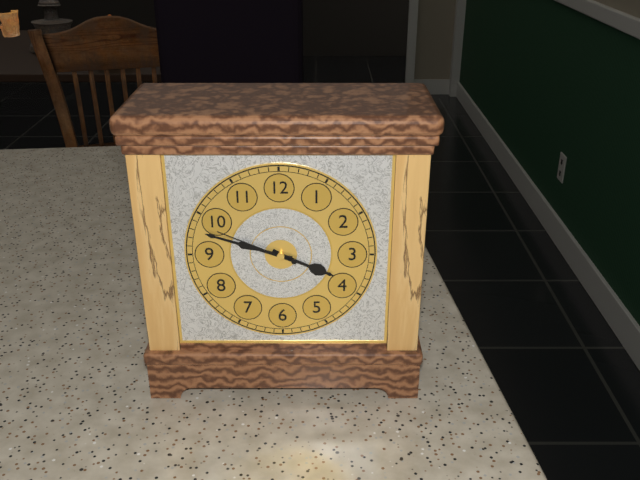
{"hour": 3, "minute": 48, "second": 49}
